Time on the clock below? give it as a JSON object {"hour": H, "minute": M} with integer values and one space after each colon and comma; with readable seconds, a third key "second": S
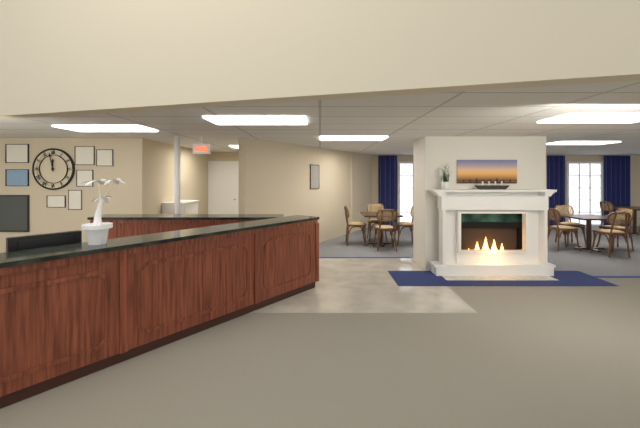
{"hour": 11, "minute": 58}
